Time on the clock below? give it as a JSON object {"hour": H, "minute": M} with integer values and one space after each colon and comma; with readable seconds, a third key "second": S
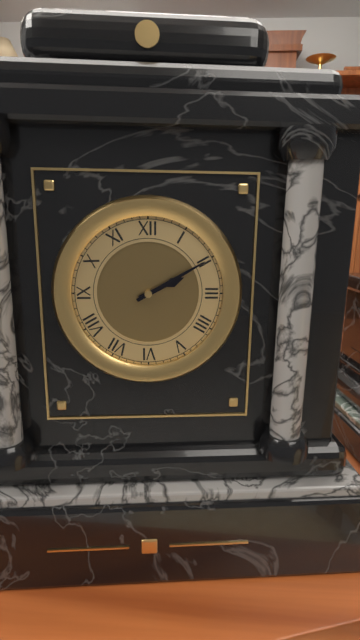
{"hour": 2, "minute": 10}
